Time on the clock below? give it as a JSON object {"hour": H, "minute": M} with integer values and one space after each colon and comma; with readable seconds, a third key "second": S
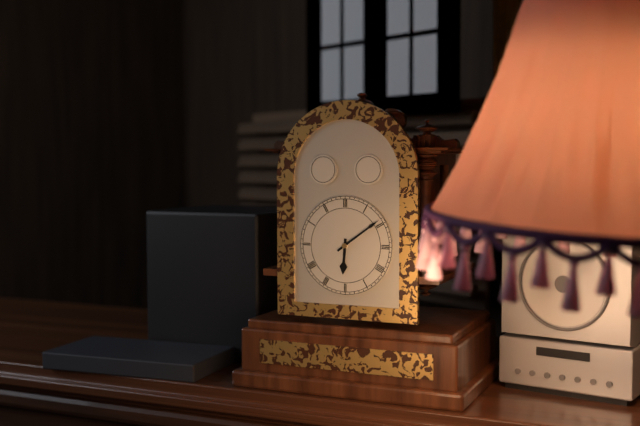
{"hour": 6, "minute": 9}
